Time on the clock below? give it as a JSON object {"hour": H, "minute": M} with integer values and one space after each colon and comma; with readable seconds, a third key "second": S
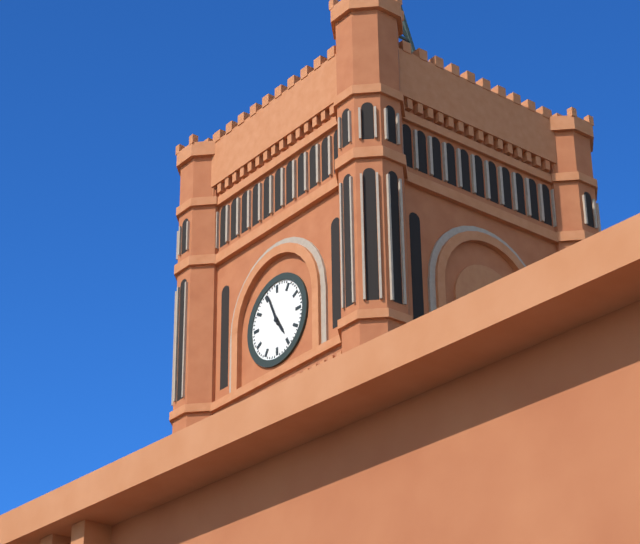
{"hour": 4, "minute": 56}
